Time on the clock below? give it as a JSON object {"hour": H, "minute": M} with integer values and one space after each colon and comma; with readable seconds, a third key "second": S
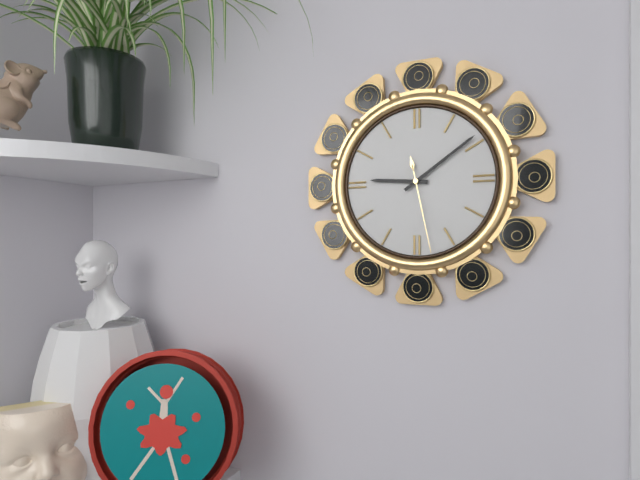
{"hour": 9, "minute": 9, "second": 28}
